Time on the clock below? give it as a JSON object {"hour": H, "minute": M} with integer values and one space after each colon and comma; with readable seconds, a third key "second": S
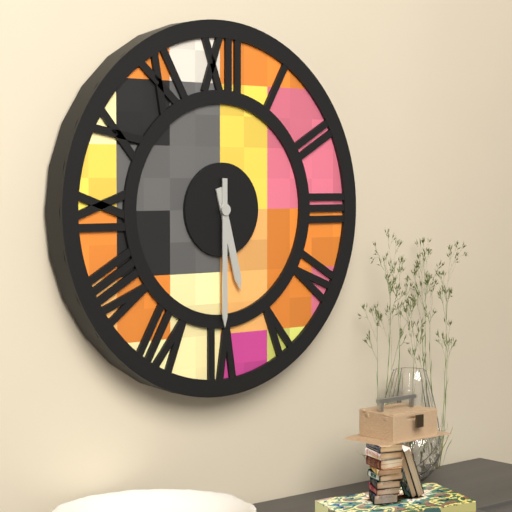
{"hour": 5, "minute": 30}
